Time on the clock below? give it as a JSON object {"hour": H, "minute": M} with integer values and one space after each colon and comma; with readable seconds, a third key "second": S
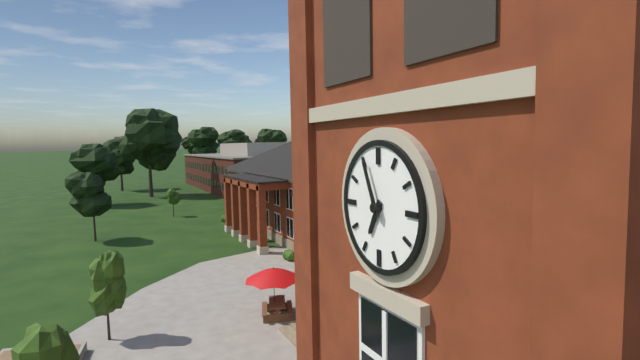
{"hour": 6, "minute": 56}
